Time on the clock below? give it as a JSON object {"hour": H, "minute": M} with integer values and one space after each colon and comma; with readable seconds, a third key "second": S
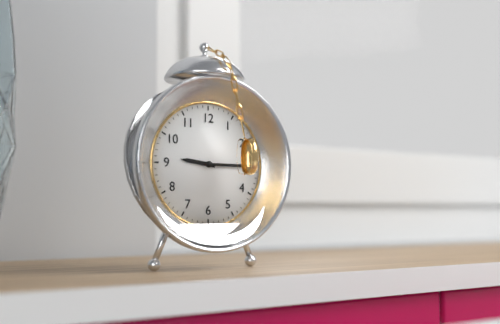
{"hour": 9, "minute": 15}
